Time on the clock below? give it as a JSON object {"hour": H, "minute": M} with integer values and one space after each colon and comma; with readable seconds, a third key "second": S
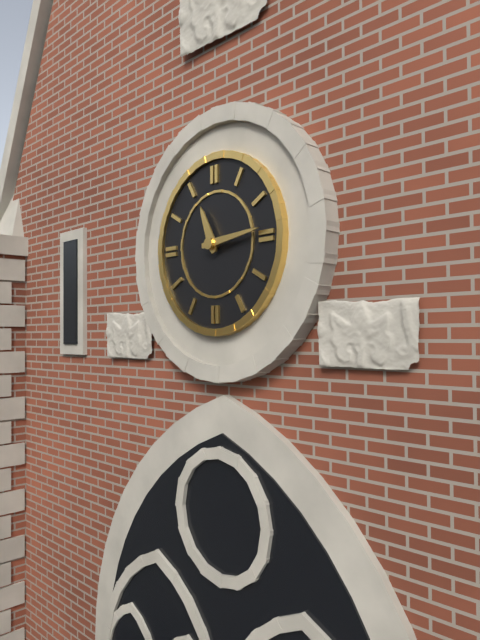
{"hour": 11, "minute": 14}
